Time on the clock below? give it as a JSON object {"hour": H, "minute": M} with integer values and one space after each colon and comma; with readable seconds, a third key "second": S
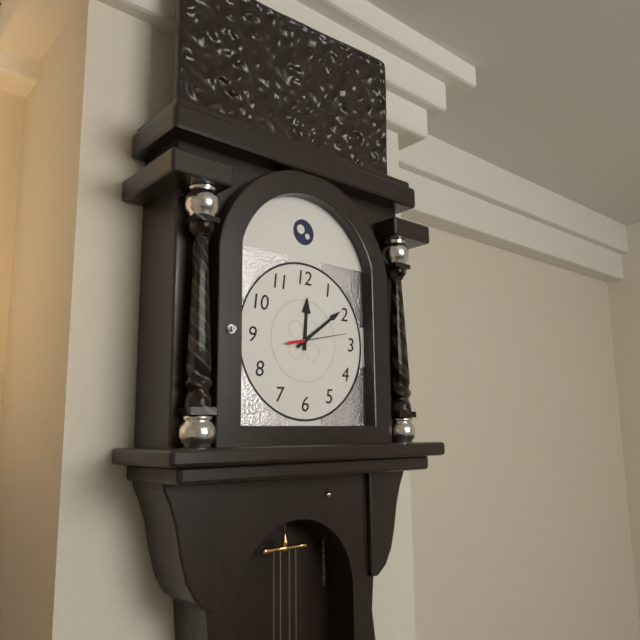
{"hour": 12, "minute": 9, "second": 13}
